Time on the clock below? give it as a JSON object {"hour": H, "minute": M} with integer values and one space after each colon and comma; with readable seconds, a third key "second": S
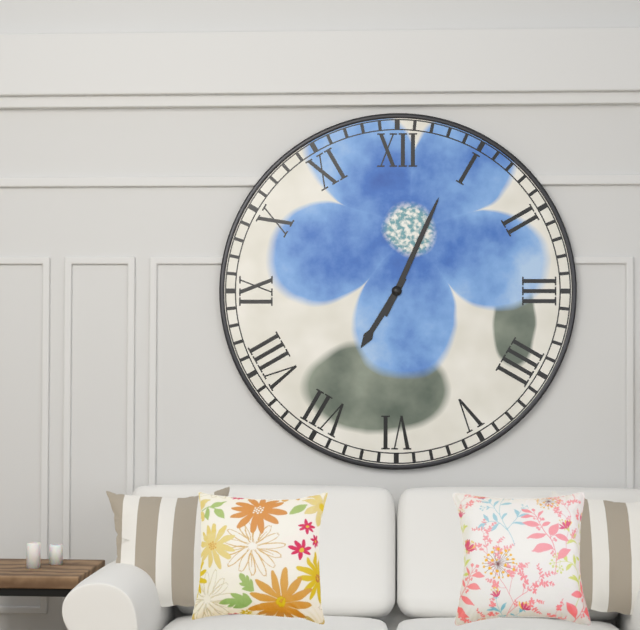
{"hour": 7, "minute": 4}
